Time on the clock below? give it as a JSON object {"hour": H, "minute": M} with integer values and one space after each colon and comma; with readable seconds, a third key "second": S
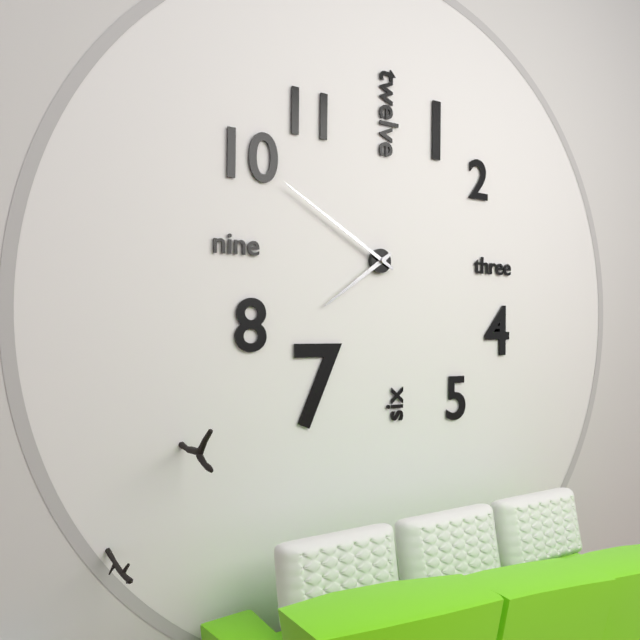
{"hour": 7, "minute": 50}
